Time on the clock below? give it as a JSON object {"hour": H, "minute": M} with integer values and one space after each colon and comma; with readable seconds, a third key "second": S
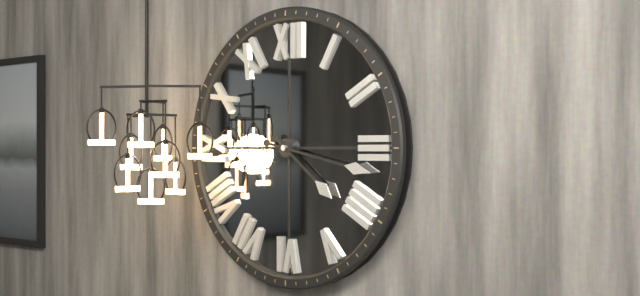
{"hour": 4, "minute": 17}
